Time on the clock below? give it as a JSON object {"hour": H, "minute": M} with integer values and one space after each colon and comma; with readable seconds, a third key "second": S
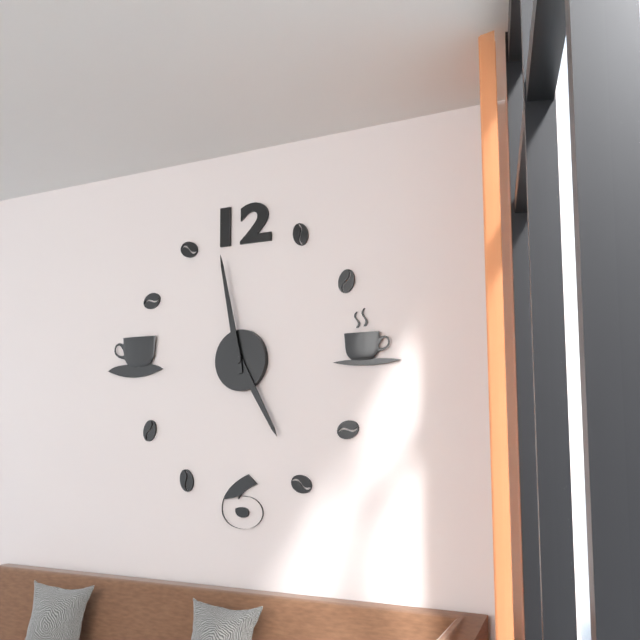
{"hour": 4, "minute": 58}
